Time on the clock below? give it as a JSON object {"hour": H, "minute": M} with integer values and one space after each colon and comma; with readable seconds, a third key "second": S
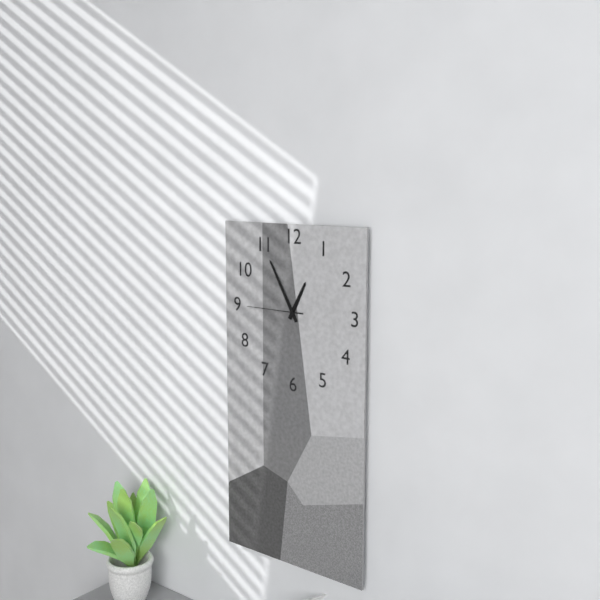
{"hour": 12, "minute": 55, "second": 45}
